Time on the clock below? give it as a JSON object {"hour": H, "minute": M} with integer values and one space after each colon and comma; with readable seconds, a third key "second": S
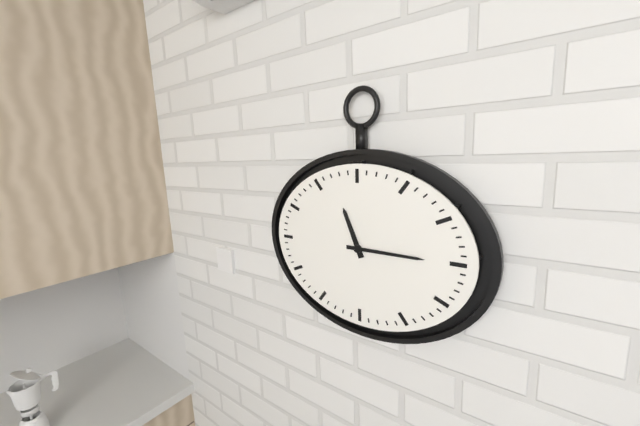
{"hour": 11, "minute": 15}
